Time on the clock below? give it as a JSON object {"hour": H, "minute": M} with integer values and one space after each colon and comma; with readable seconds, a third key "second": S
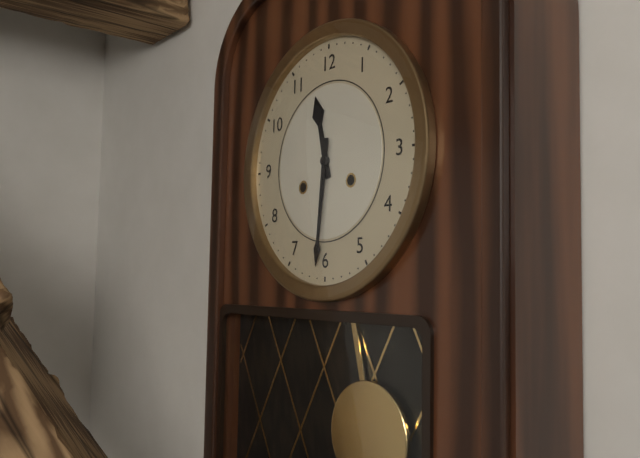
{"hour": 11, "minute": 31}
